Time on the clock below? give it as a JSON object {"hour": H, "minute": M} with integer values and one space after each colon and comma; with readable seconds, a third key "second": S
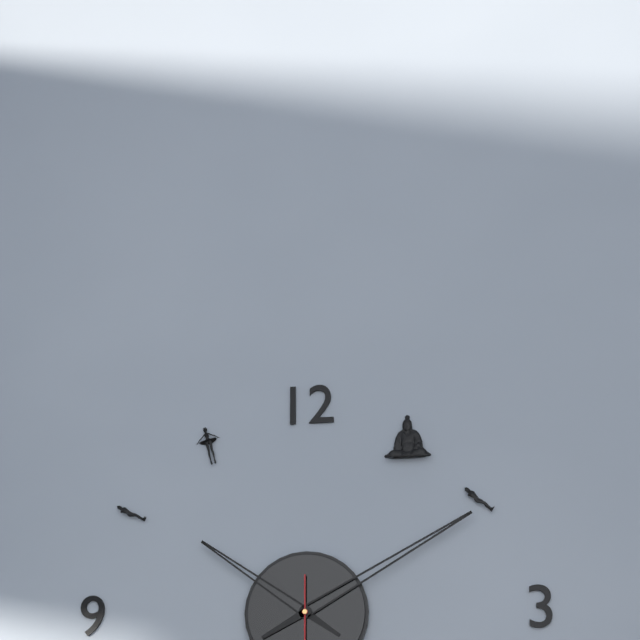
{"hour": 10, "minute": 10}
